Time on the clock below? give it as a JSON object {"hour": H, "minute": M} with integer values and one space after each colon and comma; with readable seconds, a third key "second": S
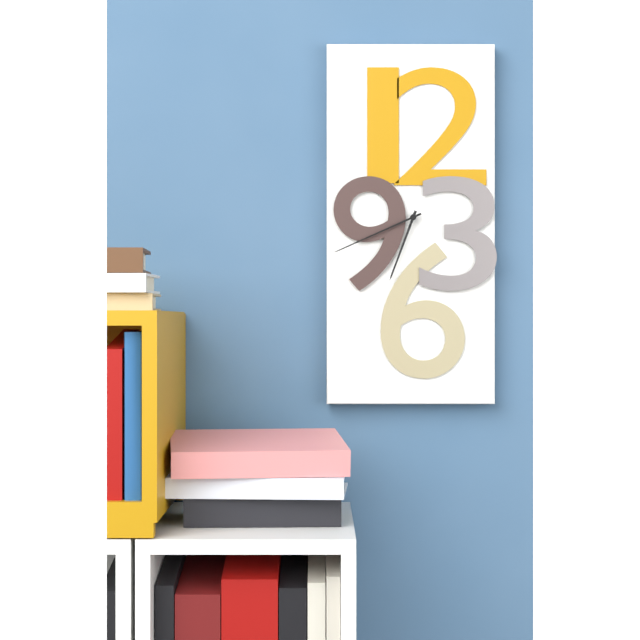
{"hour": 6, "minute": 41}
